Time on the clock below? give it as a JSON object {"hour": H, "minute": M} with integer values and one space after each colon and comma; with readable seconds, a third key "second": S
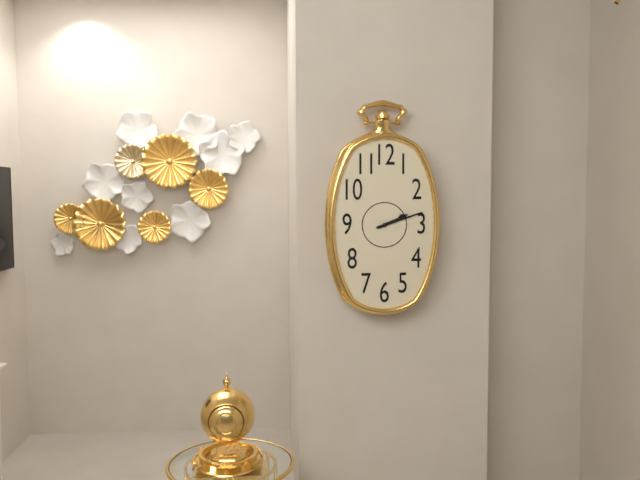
{"hour": 2, "minute": 12}
